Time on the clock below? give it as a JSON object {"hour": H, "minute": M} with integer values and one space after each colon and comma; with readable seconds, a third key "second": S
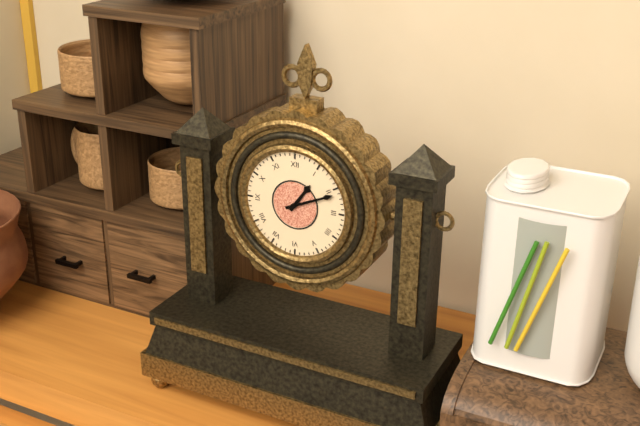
{"hour": 1, "minute": 11}
